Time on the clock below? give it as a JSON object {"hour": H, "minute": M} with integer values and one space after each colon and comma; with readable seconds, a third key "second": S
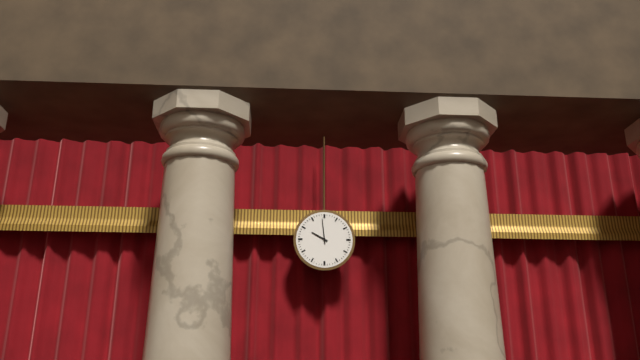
{"hour": 9, "minute": 59}
